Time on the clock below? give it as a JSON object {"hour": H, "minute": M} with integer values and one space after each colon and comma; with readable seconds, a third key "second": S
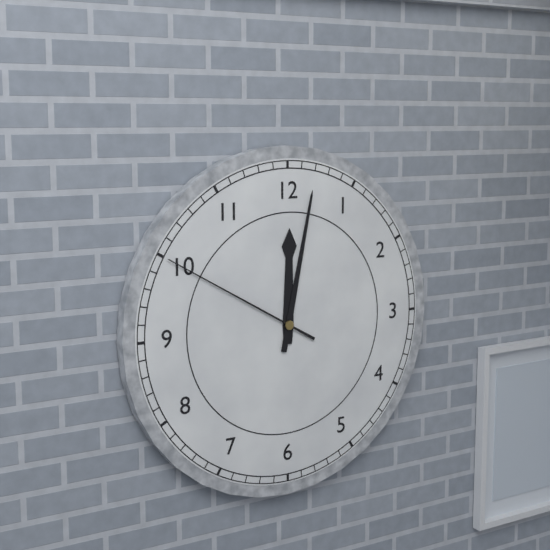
{"hour": 12, "minute": 2, "second": 50}
